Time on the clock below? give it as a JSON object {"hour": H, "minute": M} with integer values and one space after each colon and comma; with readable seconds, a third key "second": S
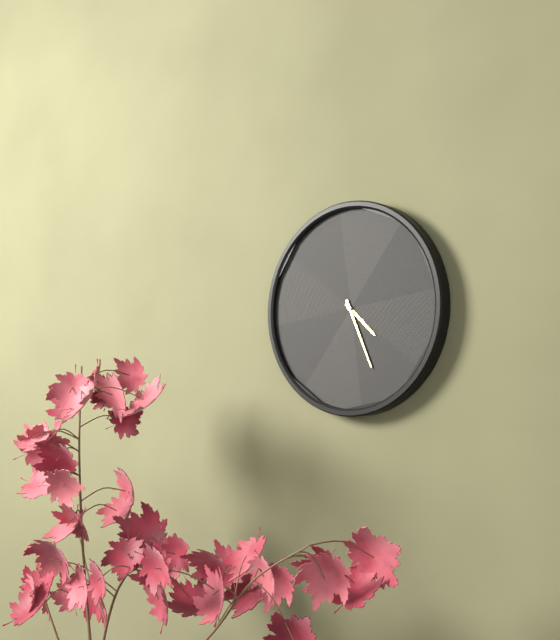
{"hour": 4, "minute": 26}
